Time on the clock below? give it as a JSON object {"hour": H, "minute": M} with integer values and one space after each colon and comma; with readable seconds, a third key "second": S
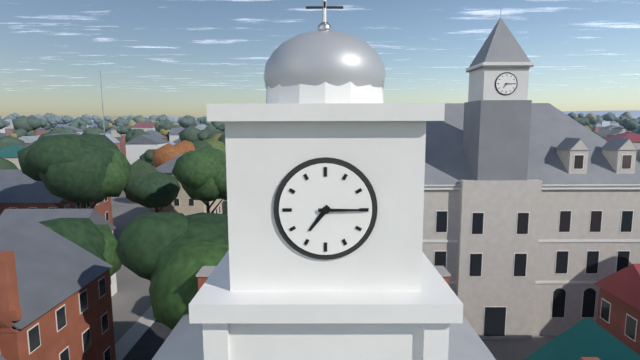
{"hour": 7, "minute": 15}
